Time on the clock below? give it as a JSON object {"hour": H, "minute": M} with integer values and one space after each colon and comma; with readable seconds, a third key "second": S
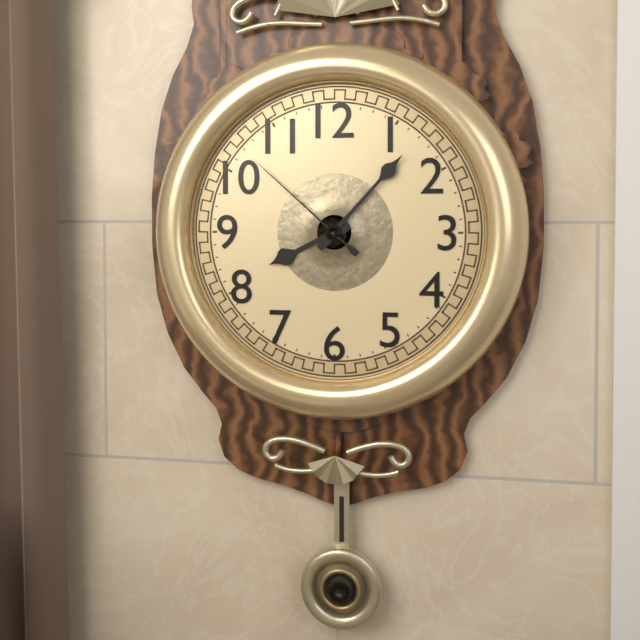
{"hour": 8, "minute": 7, "second": 52}
